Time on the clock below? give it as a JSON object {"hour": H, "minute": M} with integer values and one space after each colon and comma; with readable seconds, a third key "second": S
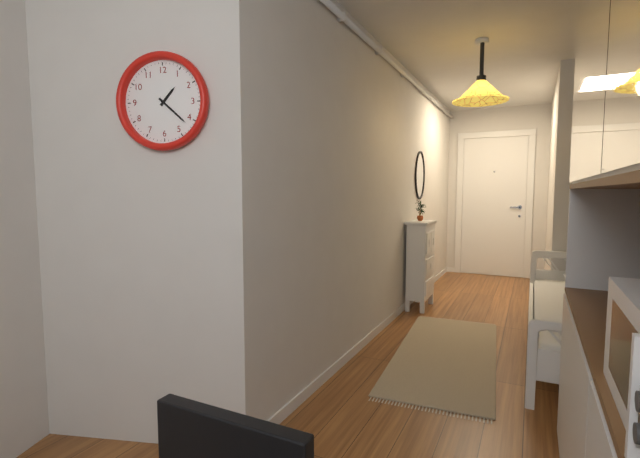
{"hour": 1, "minute": 22}
